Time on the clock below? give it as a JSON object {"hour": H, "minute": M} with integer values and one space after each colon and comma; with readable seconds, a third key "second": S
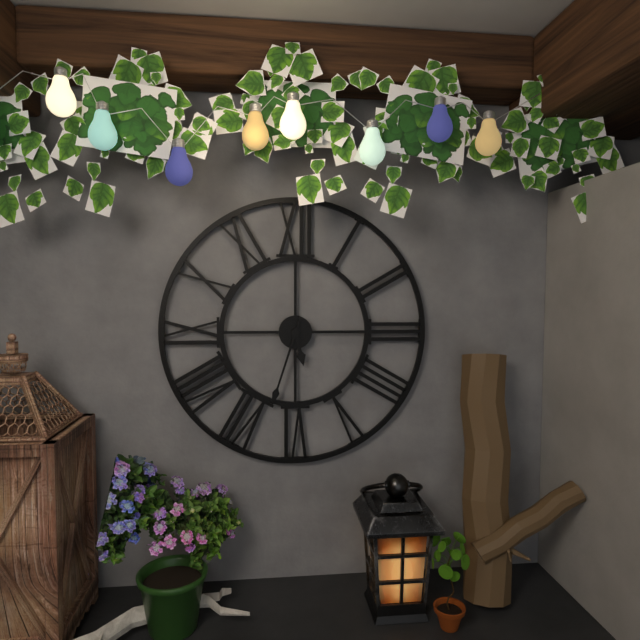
{"hour": 5, "minute": 33}
